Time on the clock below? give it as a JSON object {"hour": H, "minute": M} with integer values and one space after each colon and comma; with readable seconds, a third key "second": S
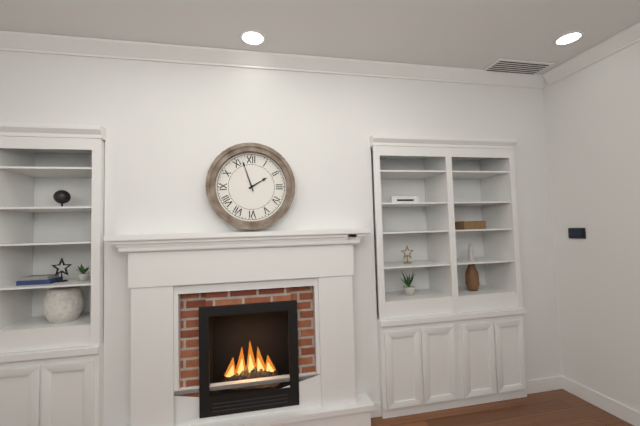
{"hour": 1, "minute": 57}
